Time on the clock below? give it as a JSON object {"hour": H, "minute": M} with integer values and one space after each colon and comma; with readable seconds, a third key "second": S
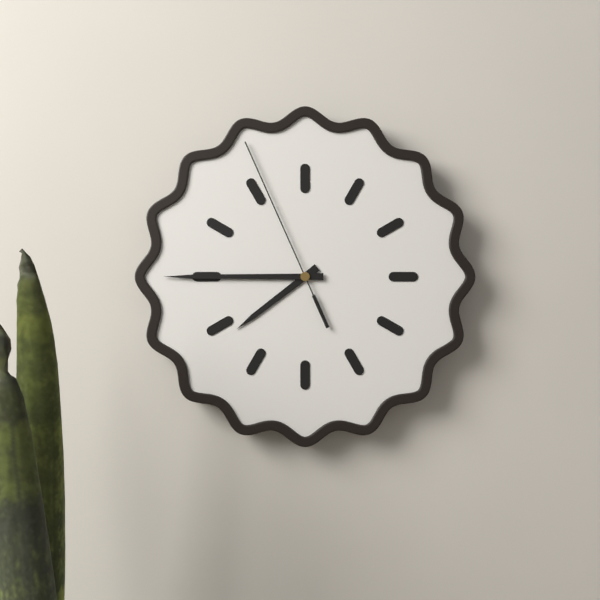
{"hour": 7, "minute": 45, "second": 56}
